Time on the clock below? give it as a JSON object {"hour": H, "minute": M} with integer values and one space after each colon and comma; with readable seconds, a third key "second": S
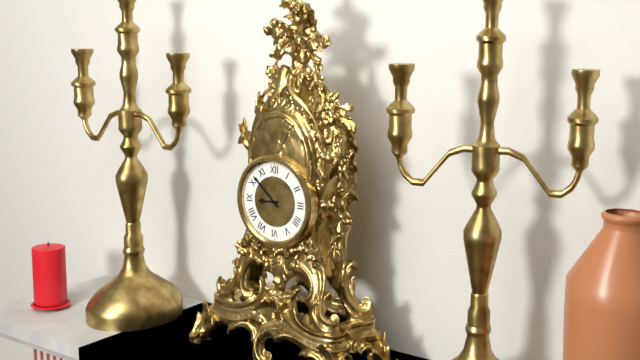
{"hour": 8, "minute": 52}
